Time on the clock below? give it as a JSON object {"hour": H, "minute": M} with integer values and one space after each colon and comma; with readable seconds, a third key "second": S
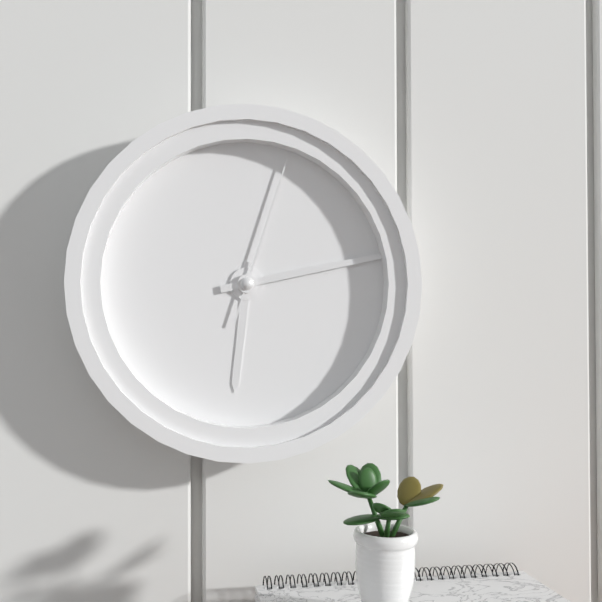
{"hour": 6, "minute": 13, "second": 3}
